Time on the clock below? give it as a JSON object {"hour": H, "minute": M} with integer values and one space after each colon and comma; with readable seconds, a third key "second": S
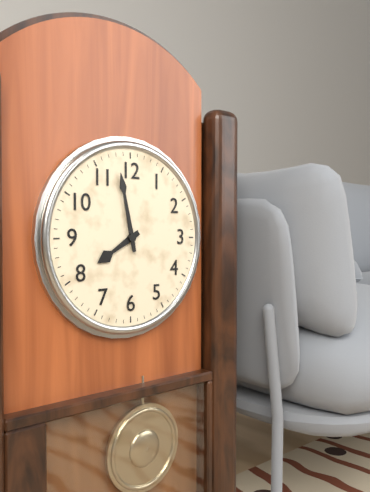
{"hour": 7, "minute": 58}
